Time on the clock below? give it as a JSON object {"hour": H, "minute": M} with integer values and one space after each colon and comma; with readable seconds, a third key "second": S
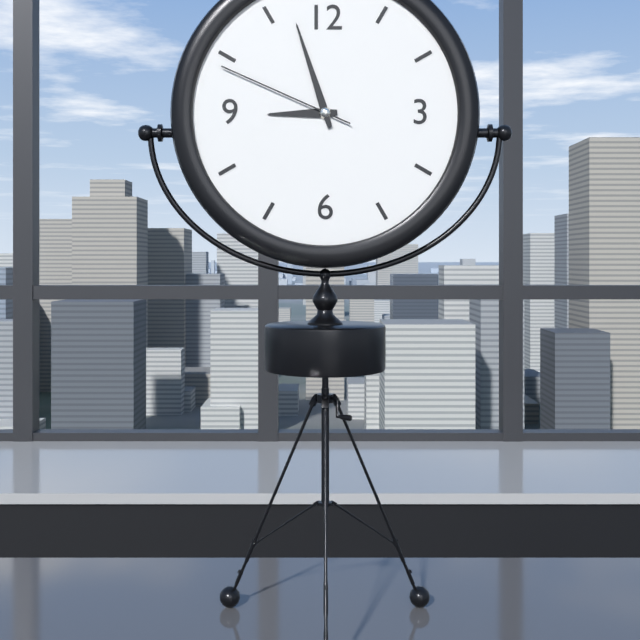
{"hour": 8, "minute": 57, "second": 49}
